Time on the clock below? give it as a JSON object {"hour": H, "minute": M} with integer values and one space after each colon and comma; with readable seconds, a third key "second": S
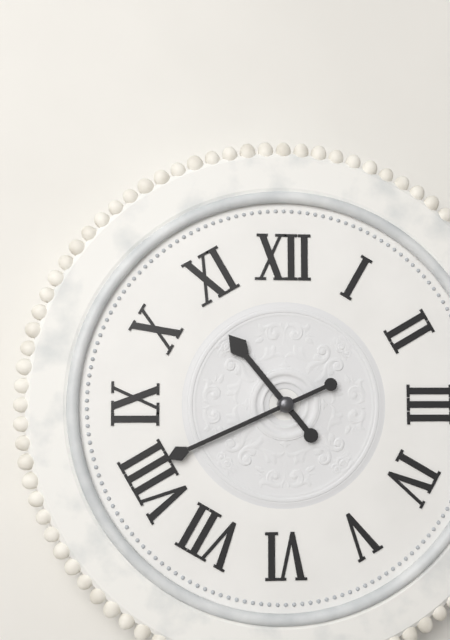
{"hour": 10, "minute": 41}
